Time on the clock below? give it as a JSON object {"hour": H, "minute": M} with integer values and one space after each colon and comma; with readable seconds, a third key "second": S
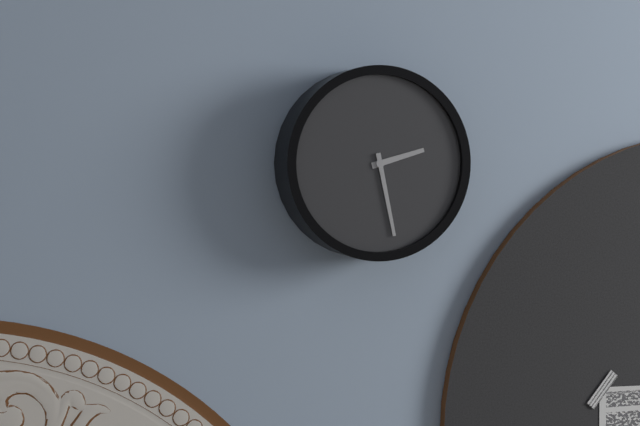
{"hour": 2, "minute": 28}
